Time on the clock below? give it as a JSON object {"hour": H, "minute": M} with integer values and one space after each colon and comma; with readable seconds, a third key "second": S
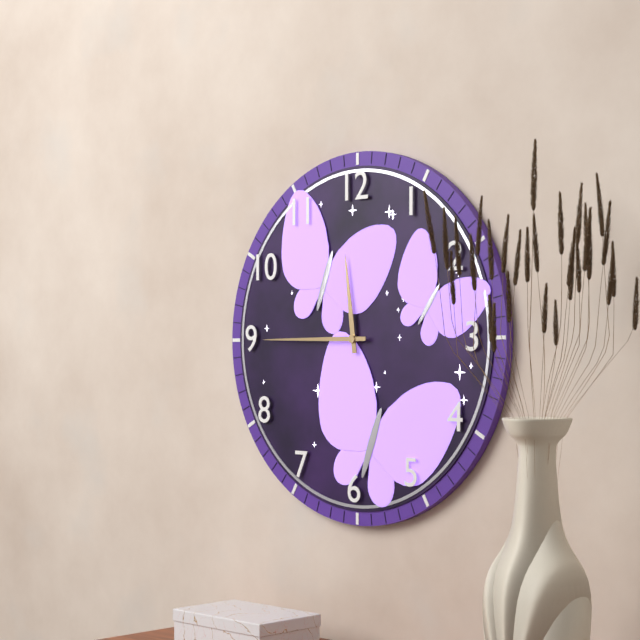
{"hour": 11, "minute": 45}
